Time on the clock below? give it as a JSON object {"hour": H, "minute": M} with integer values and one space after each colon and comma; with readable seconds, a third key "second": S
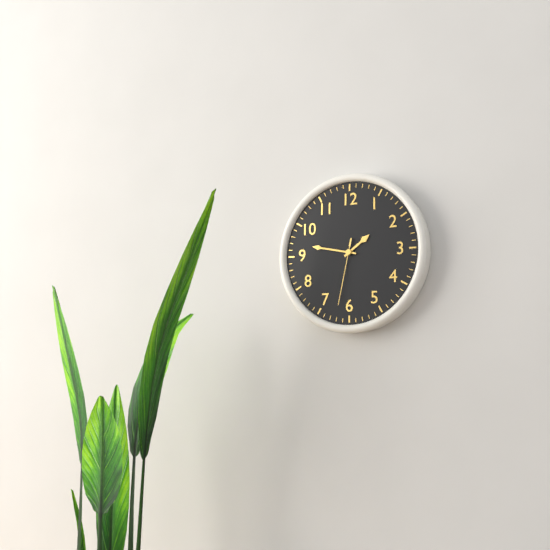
{"hour": 1, "minute": 47, "second": 32}
